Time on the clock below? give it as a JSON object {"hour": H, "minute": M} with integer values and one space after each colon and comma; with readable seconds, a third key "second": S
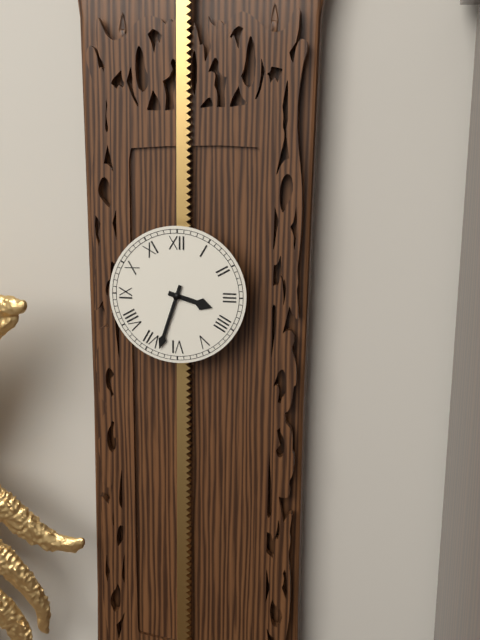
{"hour": 3, "minute": 33}
